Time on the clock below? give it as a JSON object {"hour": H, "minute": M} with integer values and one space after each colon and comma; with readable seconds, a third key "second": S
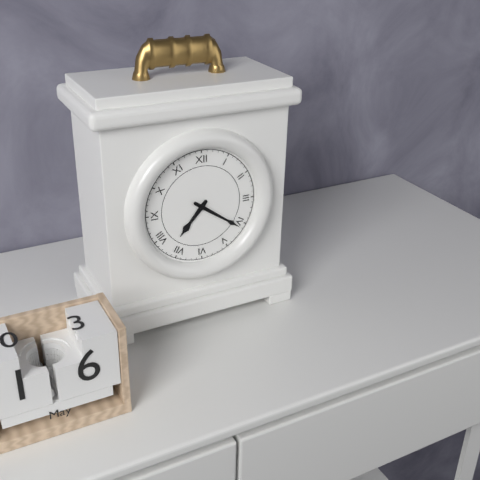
{"hour": 7, "minute": 21}
